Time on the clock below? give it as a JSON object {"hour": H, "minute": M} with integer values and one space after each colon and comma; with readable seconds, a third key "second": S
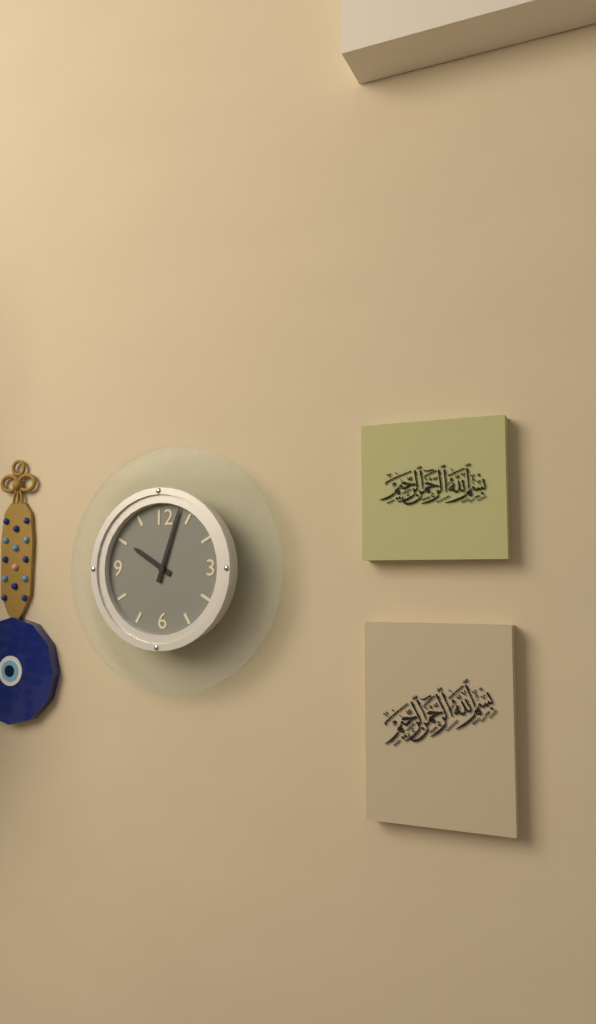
{"hour": 10, "minute": 3}
